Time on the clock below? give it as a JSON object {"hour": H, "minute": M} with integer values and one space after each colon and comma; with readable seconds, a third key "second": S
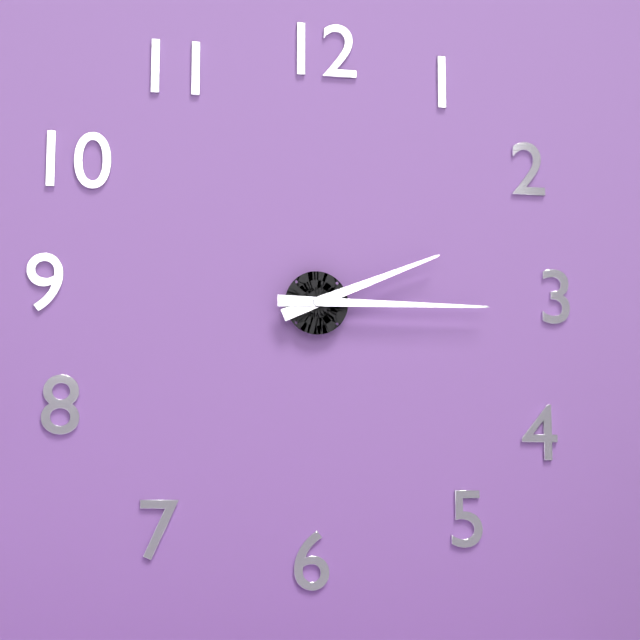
{"hour": 2, "minute": 15}
